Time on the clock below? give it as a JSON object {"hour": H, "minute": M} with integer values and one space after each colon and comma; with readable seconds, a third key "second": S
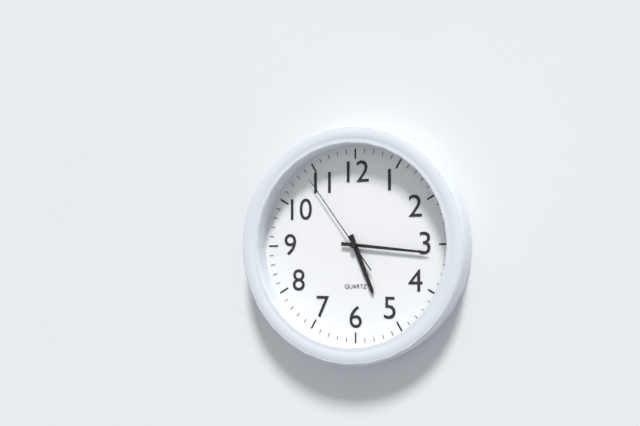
{"hour": 5, "minute": 16, "second": 54}
